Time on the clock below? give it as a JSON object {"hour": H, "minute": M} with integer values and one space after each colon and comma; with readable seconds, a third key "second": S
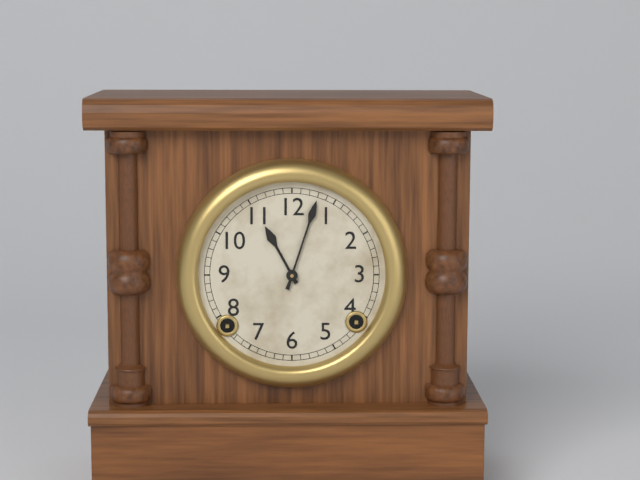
{"hour": 11, "minute": 3}
